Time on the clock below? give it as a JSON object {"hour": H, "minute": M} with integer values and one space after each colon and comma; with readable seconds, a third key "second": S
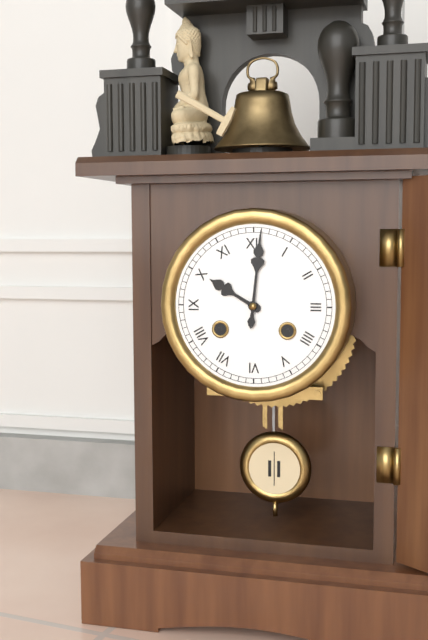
{"hour": 10, "minute": 1}
